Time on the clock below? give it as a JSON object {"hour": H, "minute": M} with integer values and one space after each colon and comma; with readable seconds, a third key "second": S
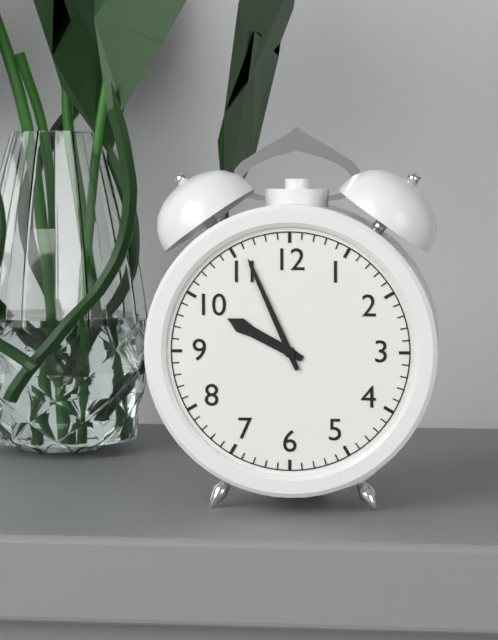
{"hour": 9, "minute": 56}
